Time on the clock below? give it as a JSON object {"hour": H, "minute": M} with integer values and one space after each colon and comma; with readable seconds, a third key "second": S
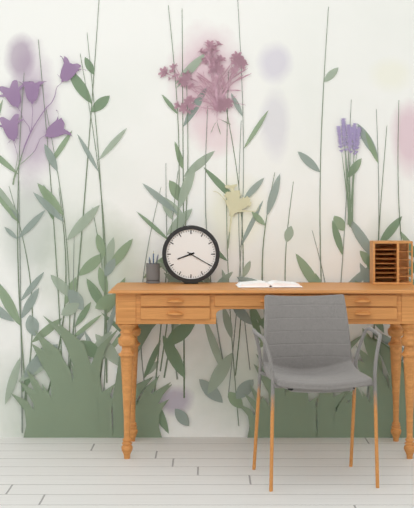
{"hour": 8, "minute": 20}
